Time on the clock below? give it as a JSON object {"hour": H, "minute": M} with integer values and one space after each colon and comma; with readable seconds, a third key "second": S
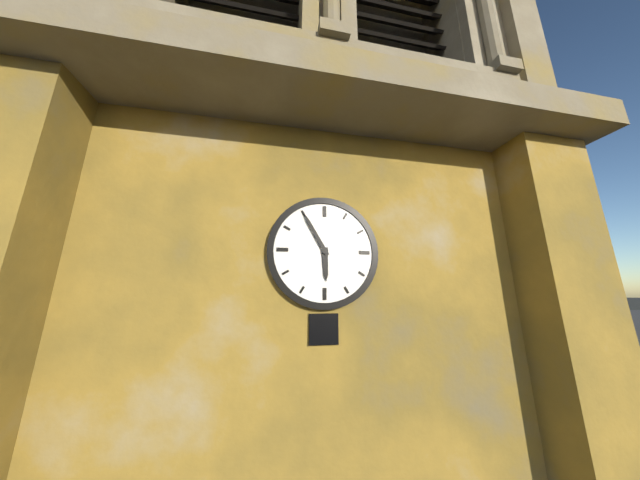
{"hour": 5, "minute": 55}
